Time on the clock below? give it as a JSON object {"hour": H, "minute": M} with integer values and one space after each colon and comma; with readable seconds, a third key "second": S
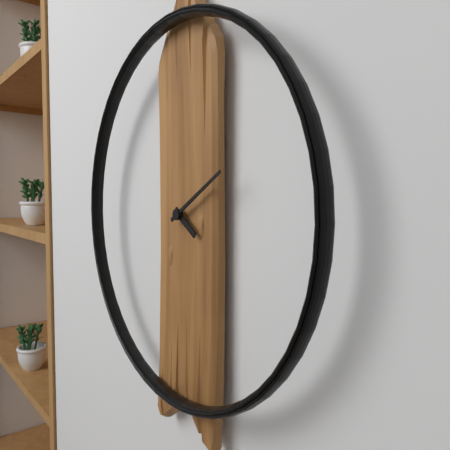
{"hour": 4, "minute": 10}
